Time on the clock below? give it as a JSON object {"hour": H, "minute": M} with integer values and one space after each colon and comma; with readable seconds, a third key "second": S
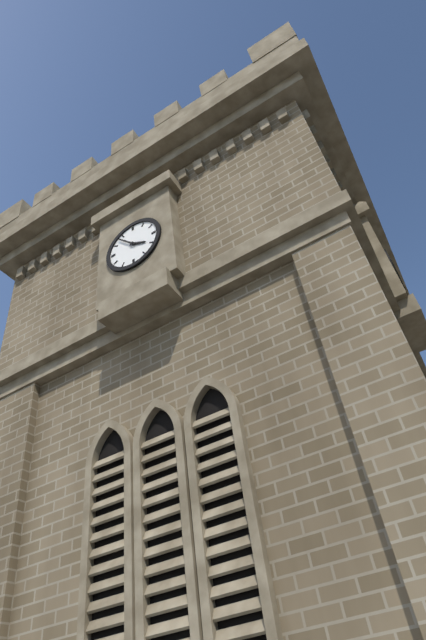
{"hour": 3, "minute": 53}
